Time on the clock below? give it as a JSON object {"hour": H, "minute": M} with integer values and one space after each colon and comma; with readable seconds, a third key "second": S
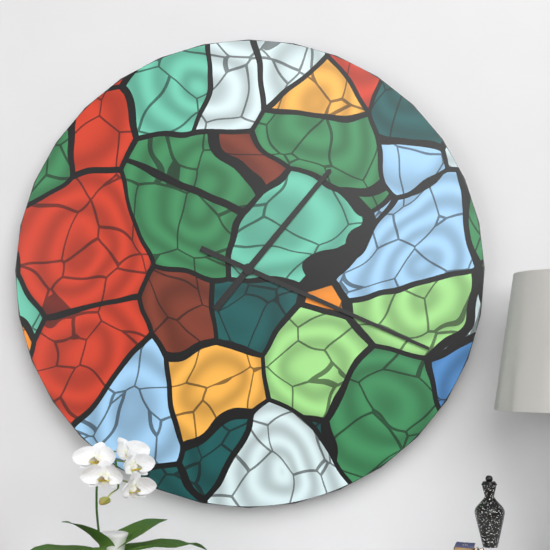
{"hour": 1, "minute": 19}
